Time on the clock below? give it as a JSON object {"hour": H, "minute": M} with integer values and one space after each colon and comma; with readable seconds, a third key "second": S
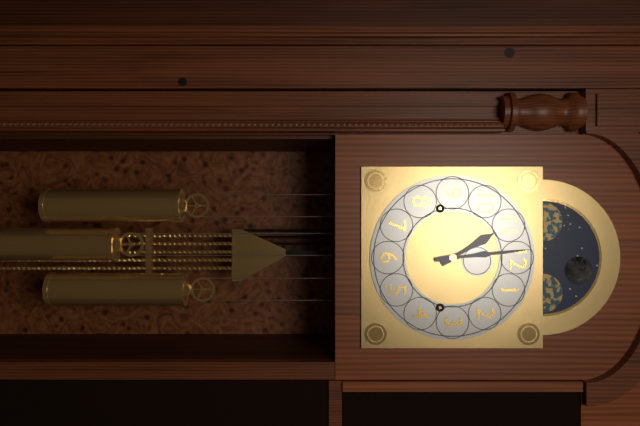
{"hour": 10, "minute": 59}
